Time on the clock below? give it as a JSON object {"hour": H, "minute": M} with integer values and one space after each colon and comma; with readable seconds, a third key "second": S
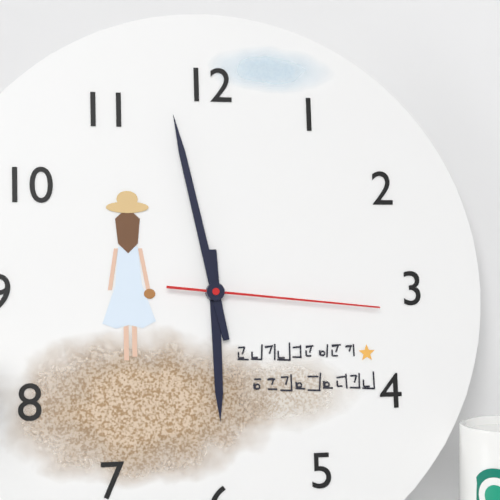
{"hour": 5, "minute": 58, "second": 16}
